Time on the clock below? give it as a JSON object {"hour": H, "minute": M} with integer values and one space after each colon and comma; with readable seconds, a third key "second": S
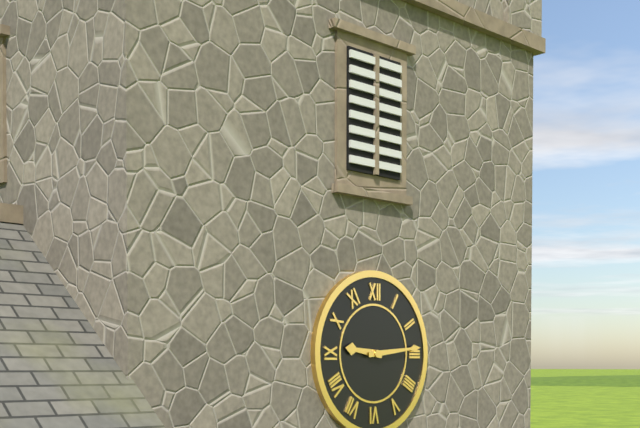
{"hour": 9, "minute": 14}
